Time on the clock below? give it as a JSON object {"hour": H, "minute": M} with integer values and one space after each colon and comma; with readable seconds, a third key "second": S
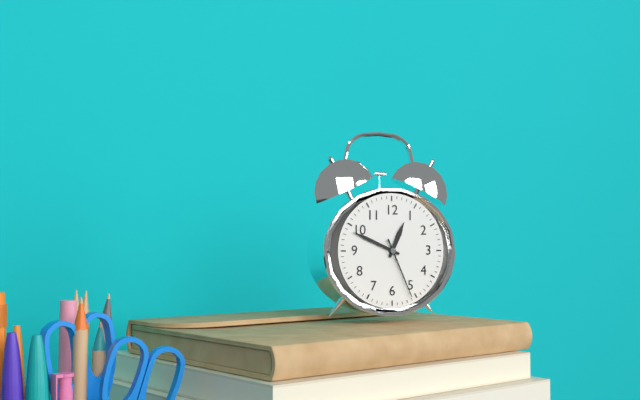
{"hour": 12, "minute": 49, "second": 26}
